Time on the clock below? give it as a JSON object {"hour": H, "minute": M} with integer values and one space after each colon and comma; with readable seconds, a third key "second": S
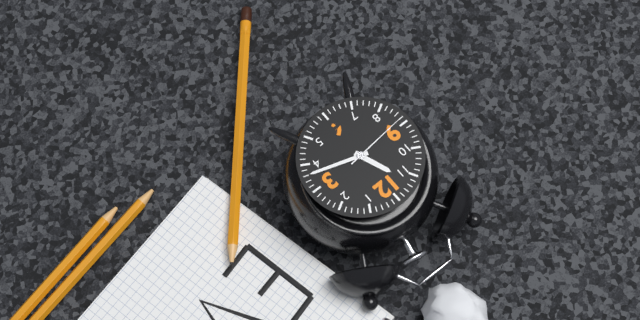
{"hour": 11, "minute": 18, "second": 44}
